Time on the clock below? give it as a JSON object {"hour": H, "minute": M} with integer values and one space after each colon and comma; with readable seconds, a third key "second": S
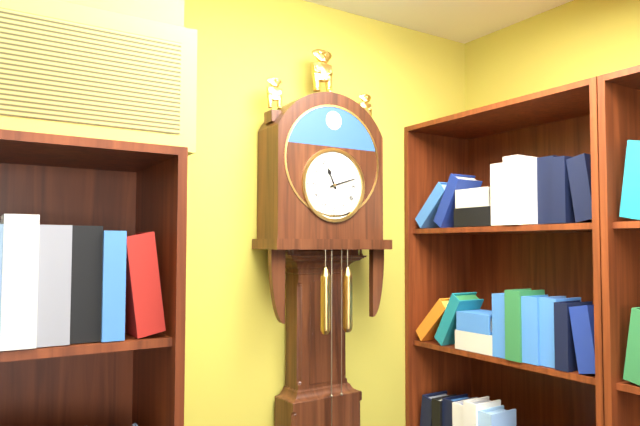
{"hour": 11, "minute": 12}
